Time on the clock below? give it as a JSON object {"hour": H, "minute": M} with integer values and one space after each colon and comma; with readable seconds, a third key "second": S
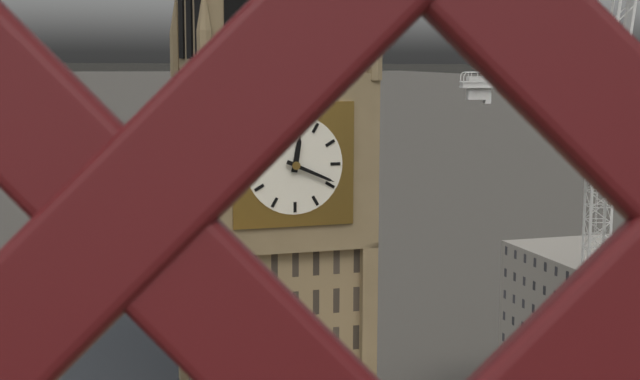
{"hour": 12, "minute": 19}
